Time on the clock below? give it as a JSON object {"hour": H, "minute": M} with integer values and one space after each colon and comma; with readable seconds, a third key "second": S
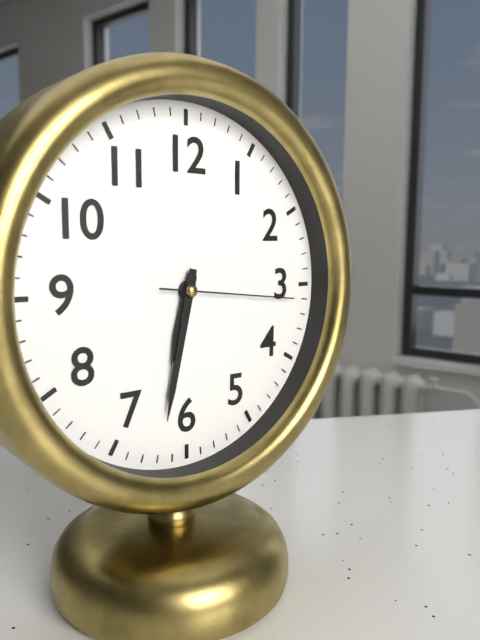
{"hour": 6, "minute": 32, "second": 16}
